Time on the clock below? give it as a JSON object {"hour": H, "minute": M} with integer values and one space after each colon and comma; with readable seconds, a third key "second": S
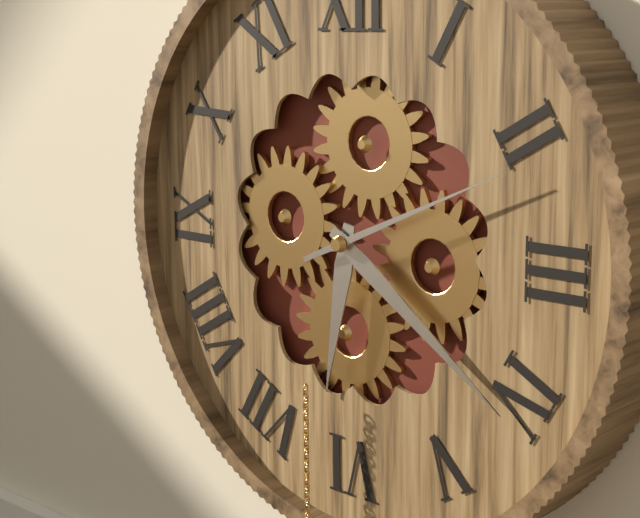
{"hour": 6, "minute": 21, "second": 11}
